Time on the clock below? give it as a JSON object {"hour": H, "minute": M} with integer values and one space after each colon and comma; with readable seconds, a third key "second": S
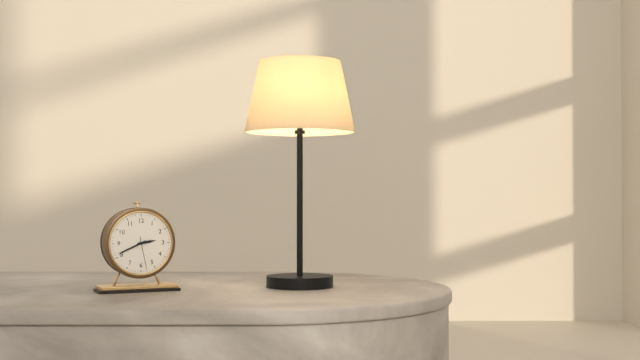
{"hour": 2, "minute": 41}
